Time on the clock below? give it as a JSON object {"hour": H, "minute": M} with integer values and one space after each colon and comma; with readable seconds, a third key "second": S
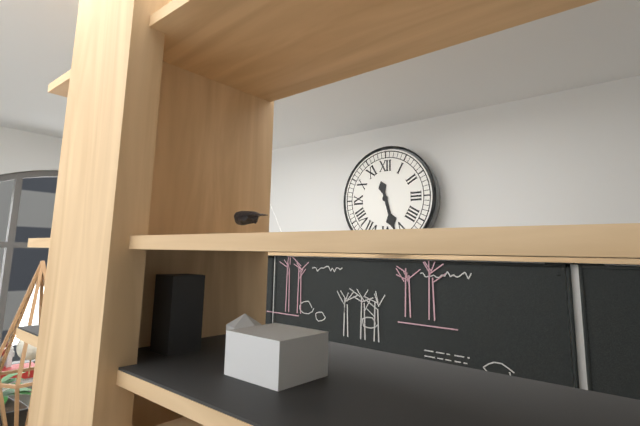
{"hour": 5, "minute": 27}
